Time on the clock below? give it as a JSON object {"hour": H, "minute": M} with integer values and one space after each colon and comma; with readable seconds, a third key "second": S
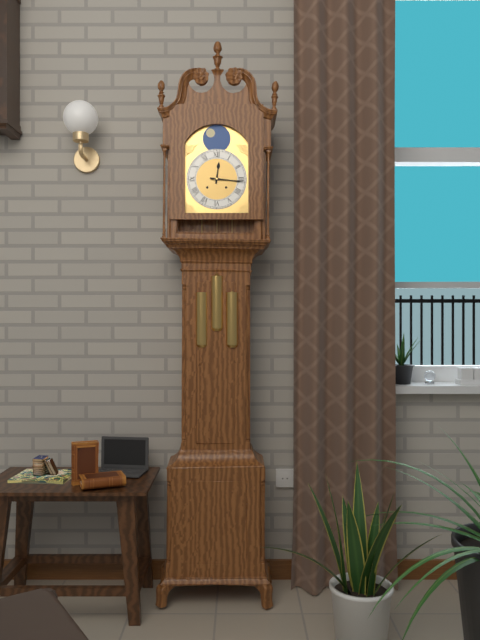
{"hour": 12, "minute": 16}
